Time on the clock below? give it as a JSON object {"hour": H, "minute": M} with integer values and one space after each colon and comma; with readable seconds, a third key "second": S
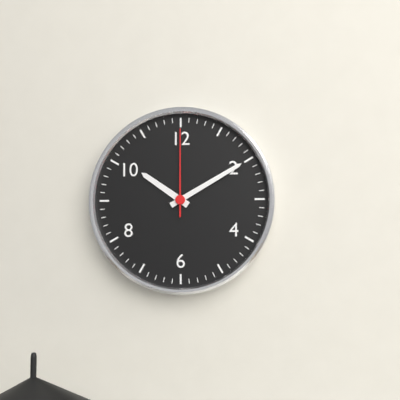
{"hour": 10, "minute": 10, "second": 0}
